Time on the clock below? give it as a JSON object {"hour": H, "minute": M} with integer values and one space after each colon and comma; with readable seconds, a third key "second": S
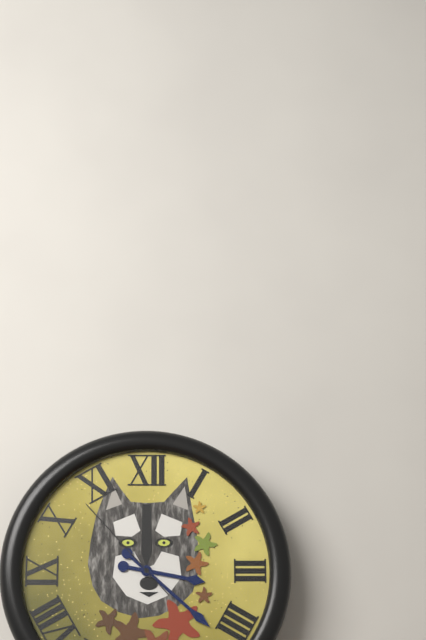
{"hour": 3, "minute": 22, "second": 53}
